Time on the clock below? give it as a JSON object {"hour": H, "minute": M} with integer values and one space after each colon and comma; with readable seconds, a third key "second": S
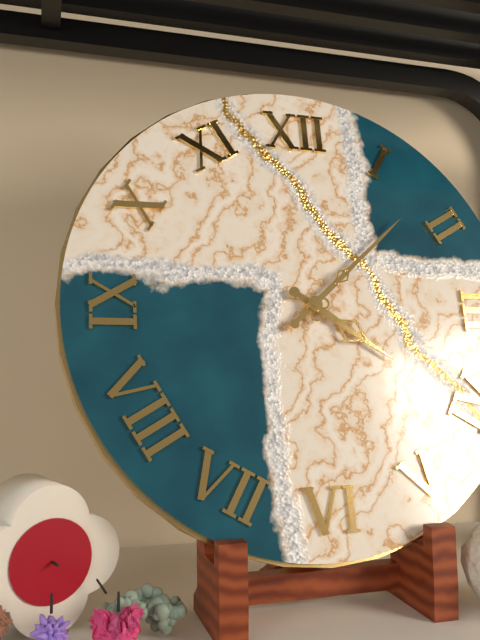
{"hour": 4, "minute": 8}
